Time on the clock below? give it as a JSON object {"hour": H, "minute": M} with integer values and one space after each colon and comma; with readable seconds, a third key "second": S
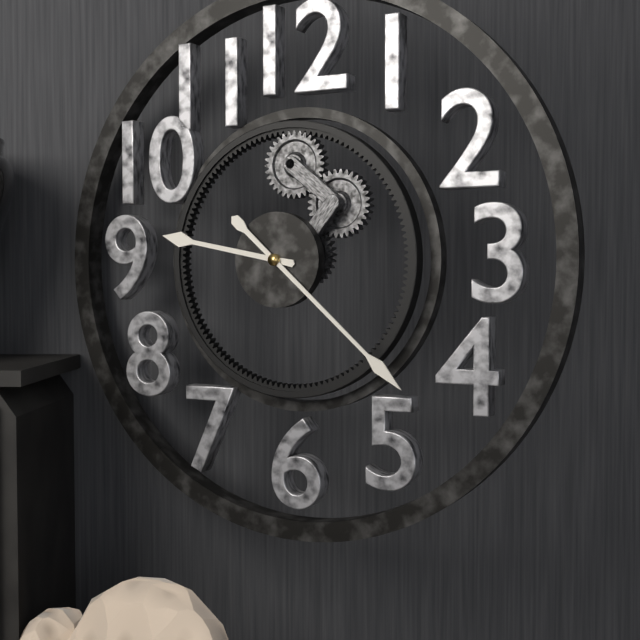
{"hour": 9, "minute": 22}
